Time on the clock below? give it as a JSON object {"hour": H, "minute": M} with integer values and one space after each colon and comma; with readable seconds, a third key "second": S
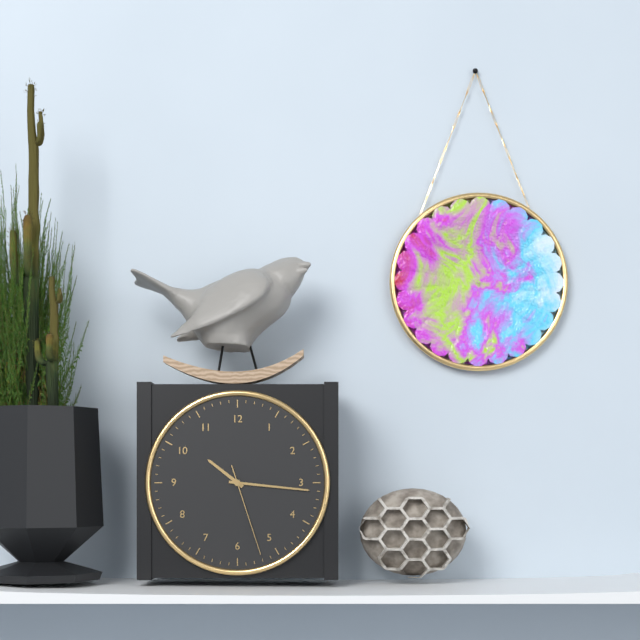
{"hour": 10, "minute": 16, "second": 27}
